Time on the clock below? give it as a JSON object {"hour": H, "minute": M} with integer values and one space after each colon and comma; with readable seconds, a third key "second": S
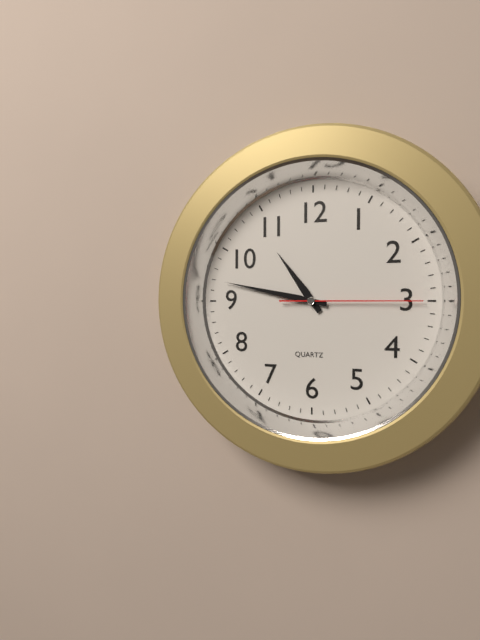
{"hour": 10, "minute": 47, "second": 15}
